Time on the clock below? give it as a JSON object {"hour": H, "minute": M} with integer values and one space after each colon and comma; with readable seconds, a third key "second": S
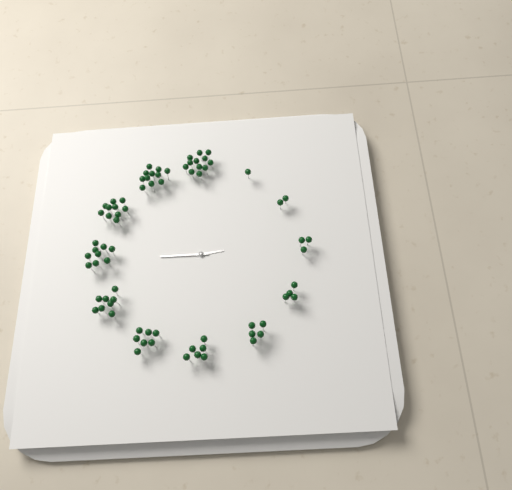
{"hour": 2, "minute": 45}
